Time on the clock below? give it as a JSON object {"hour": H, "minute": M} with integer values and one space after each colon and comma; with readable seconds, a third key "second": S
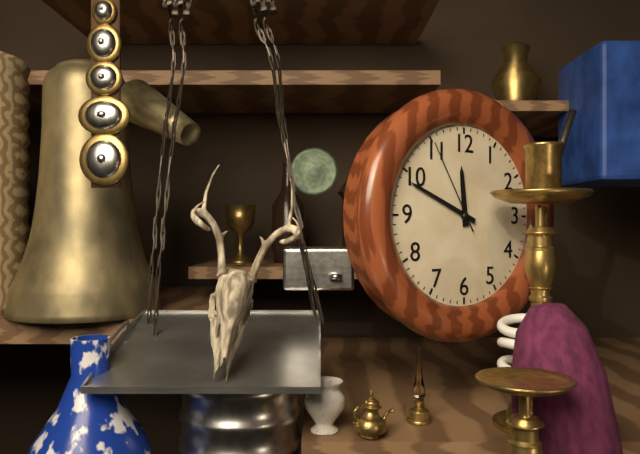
{"hour": 11, "minute": 49, "second": 55}
